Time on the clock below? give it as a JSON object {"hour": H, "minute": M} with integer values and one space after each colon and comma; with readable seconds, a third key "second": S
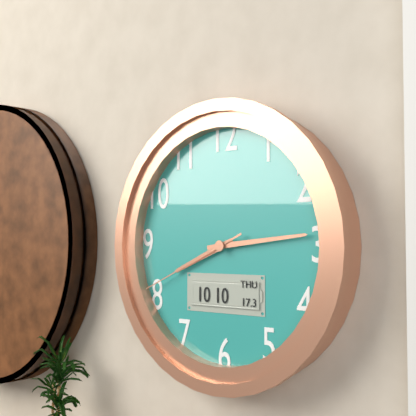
{"hour": 8, "minute": 14, "second": 41}
